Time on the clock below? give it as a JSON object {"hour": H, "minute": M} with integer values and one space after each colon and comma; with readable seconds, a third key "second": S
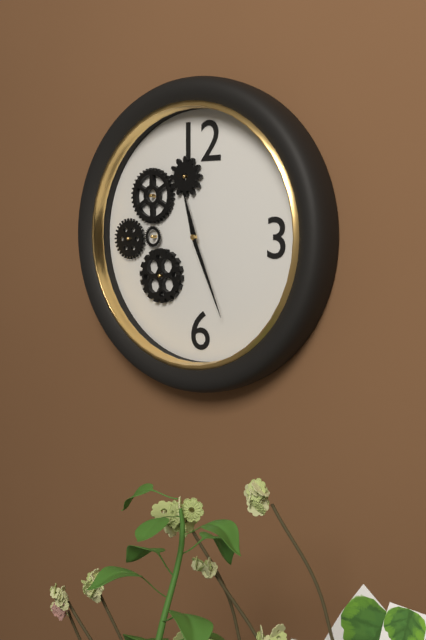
{"hour": 11, "minute": 26}
